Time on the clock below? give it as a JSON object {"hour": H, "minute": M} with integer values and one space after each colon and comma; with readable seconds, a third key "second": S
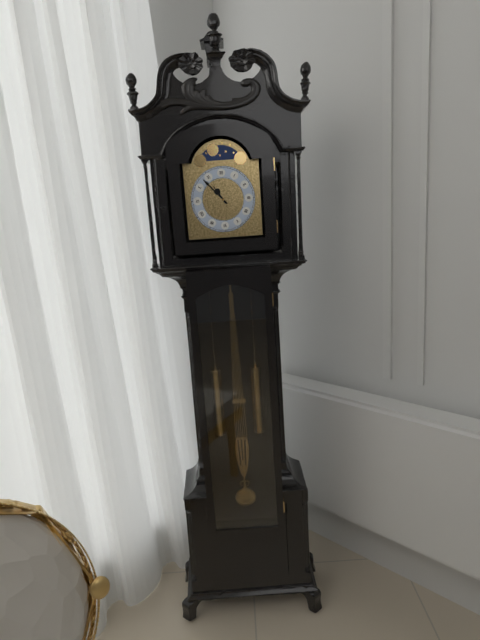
{"hour": 10, "minute": 53}
